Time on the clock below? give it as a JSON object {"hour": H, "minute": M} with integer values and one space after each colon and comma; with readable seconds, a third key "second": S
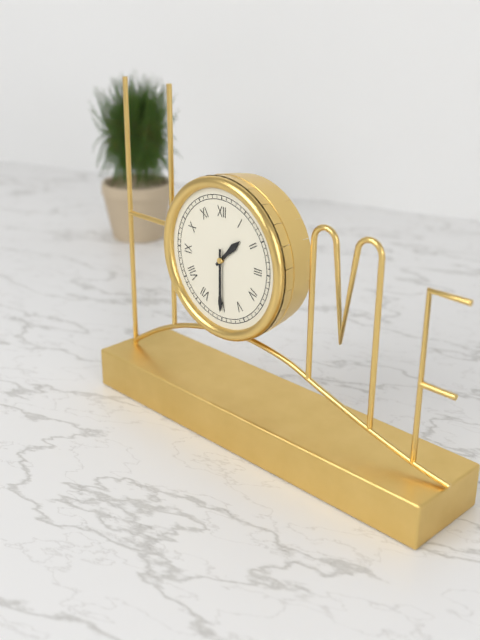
{"hour": 1, "minute": 30}
